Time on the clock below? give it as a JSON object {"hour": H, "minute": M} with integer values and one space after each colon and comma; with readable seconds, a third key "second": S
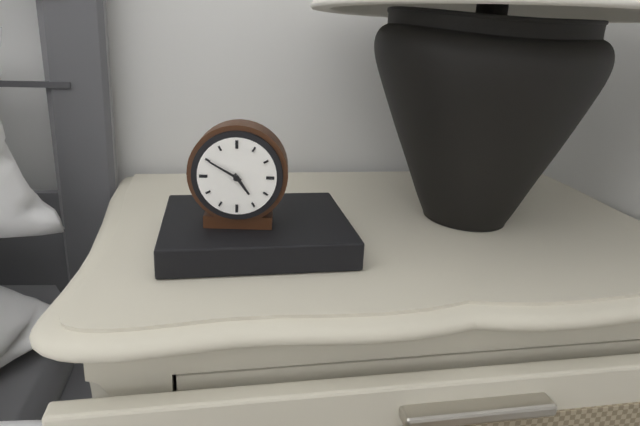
{"hour": 4, "minute": 50}
